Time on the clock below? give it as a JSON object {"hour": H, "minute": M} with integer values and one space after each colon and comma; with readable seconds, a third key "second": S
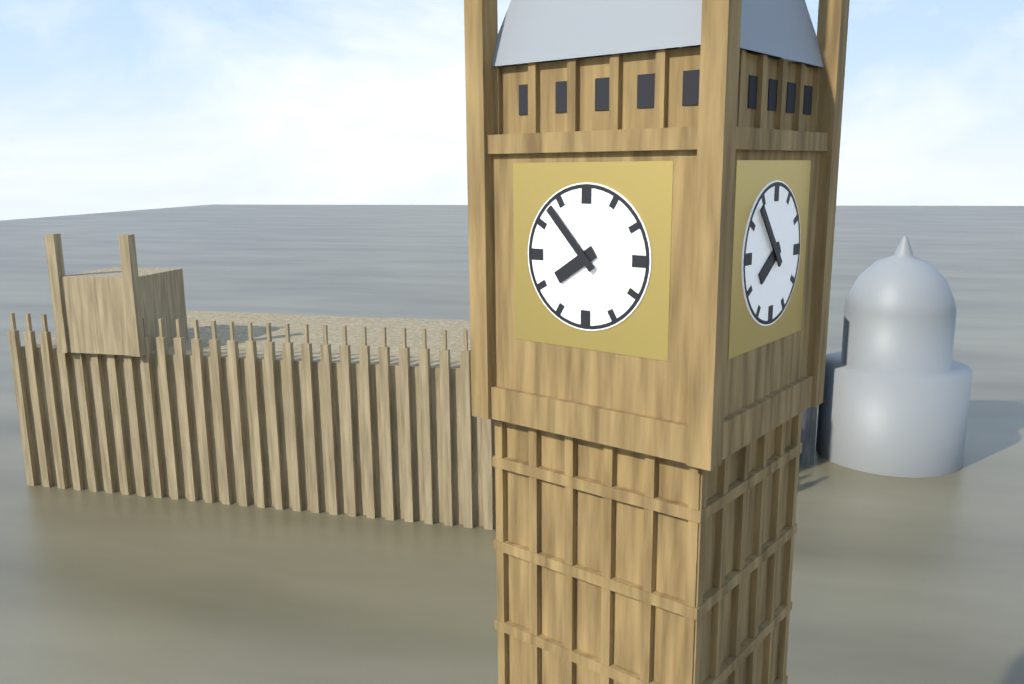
{"hour": 7, "minute": 53}
